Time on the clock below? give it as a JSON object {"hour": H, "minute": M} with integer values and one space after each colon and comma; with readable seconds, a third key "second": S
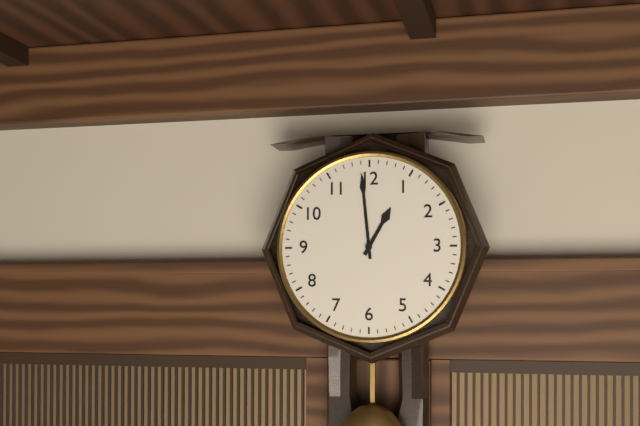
{"hour": 12, "minute": 59}
